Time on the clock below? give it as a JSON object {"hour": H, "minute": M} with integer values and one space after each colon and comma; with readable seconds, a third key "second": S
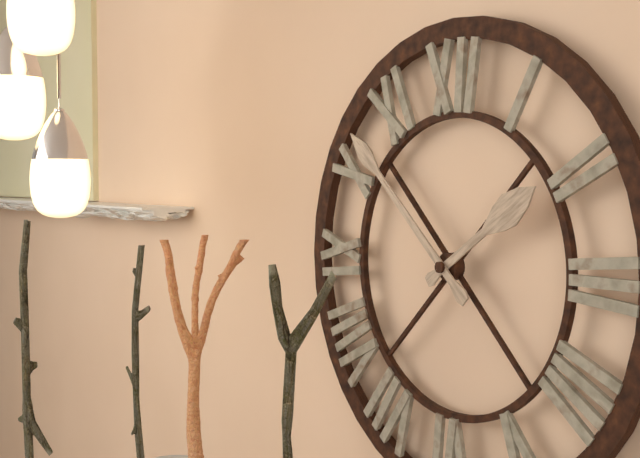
{"hour": 1, "minute": 52}
